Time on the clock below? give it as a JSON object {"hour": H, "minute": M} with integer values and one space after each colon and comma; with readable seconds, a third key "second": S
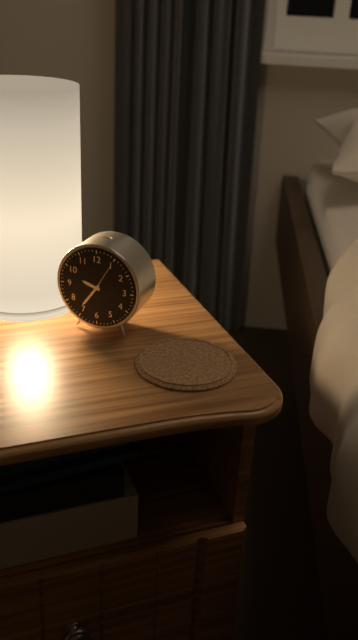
{"hour": 9, "minute": 36}
